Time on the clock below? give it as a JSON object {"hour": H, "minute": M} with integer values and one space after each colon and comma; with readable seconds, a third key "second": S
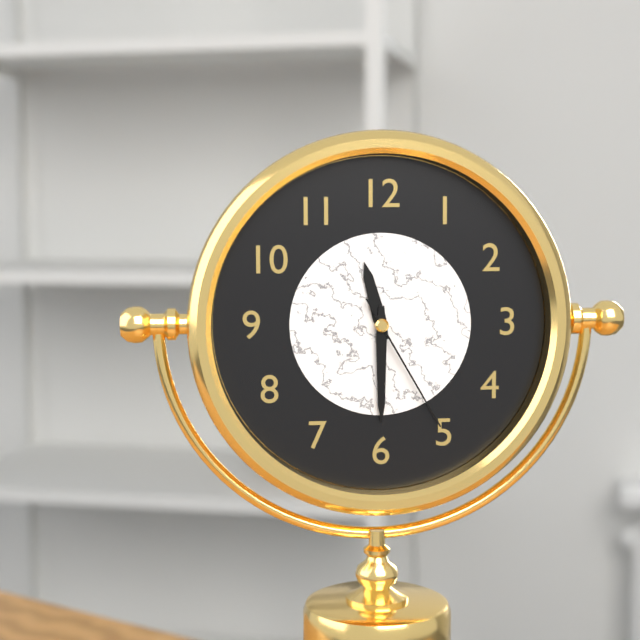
{"hour": 11, "minute": 30, "second": 25}
